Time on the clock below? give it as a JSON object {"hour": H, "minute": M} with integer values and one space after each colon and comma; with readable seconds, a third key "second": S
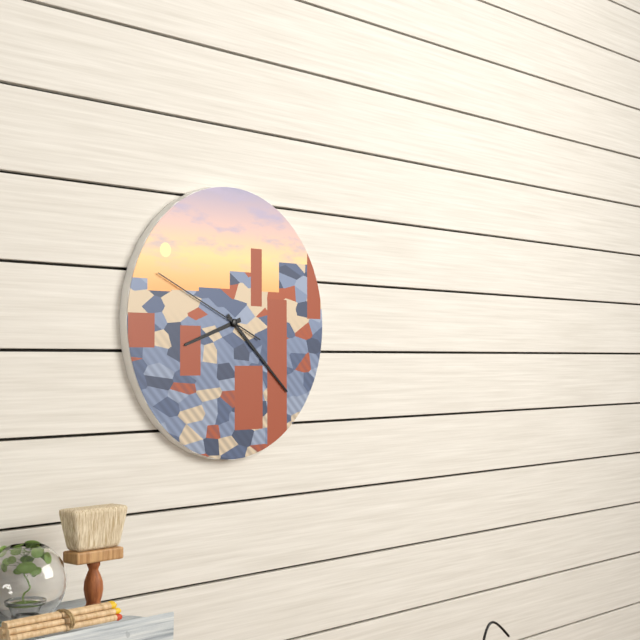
{"hour": 8, "minute": 22, "second": 49}
